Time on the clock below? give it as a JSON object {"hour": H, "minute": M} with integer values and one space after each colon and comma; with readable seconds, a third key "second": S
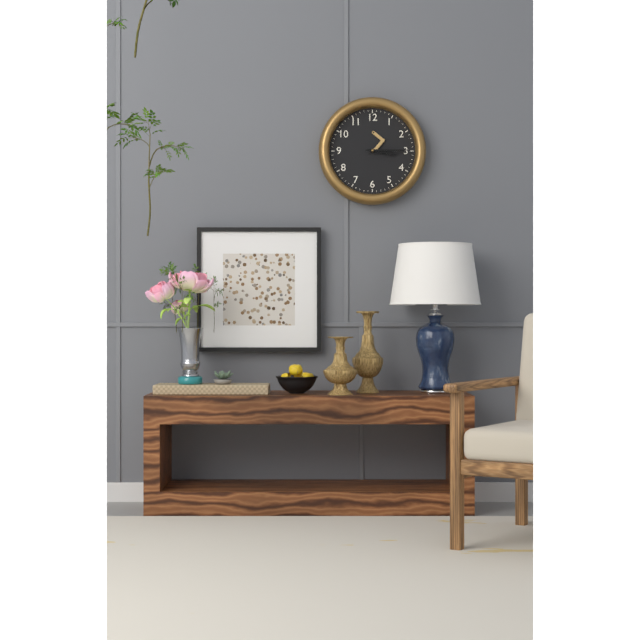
{"hour": 3, "minute": 15}
